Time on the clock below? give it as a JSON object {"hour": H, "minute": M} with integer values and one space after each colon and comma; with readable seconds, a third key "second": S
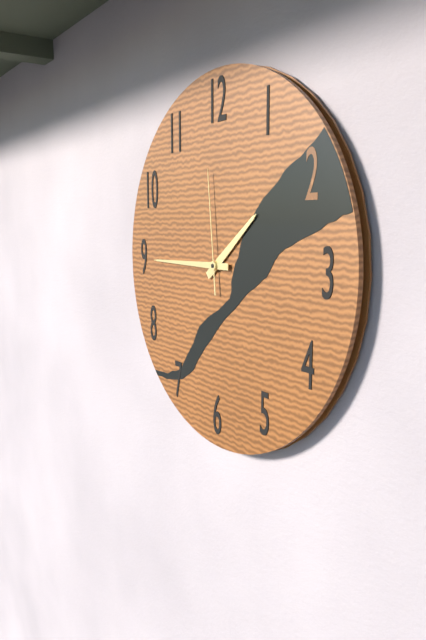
{"hour": 1, "minute": 45, "second": 59}
